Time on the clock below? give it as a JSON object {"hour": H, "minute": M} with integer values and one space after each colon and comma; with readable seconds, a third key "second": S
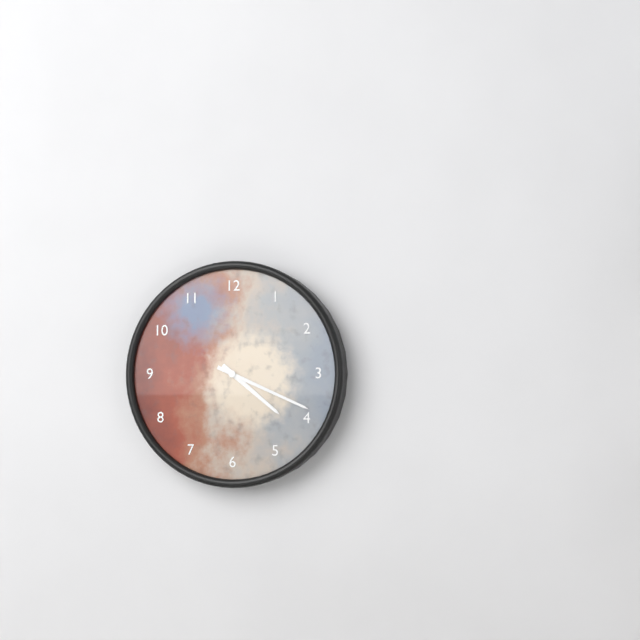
{"hour": 4, "minute": 19}
